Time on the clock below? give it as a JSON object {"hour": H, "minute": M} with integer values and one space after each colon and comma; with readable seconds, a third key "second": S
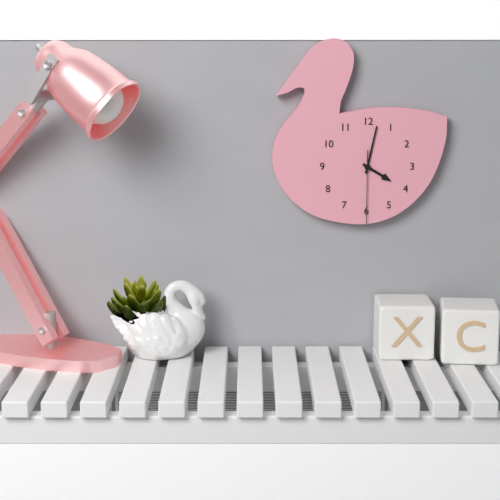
{"hour": 4, "minute": 2, "second": 30}
